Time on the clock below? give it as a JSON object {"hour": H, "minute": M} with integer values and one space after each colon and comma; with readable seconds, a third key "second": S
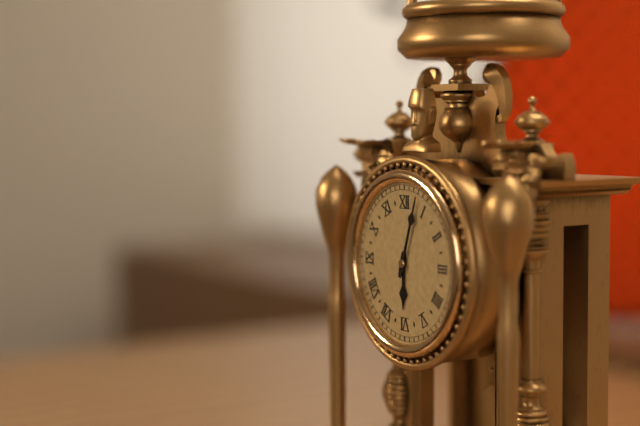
{"hour": 6, "minute": 3}
